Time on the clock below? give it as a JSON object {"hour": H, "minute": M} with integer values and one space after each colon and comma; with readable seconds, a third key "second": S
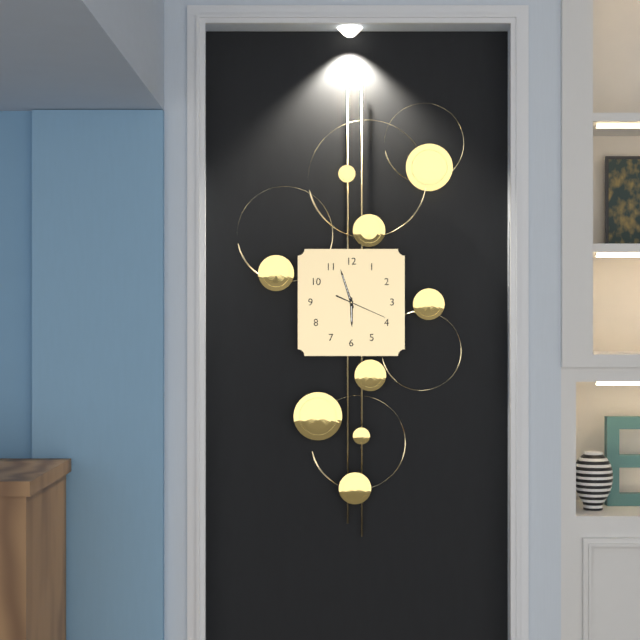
{"hour": 5, "minute": 57}
